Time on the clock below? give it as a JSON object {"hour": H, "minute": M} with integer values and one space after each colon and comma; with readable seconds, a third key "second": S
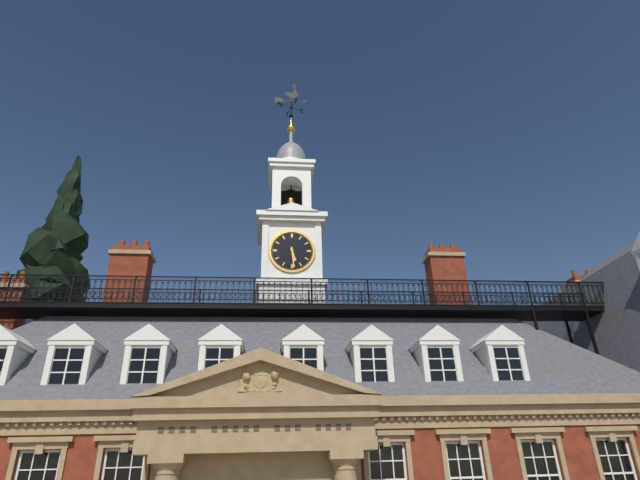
{"hour": 5, "minute": 29}
